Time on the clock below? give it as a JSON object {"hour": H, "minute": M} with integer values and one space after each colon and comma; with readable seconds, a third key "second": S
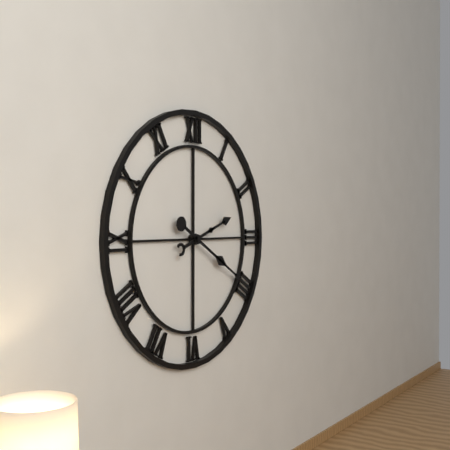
{"hour": 2, "minute": 20}
